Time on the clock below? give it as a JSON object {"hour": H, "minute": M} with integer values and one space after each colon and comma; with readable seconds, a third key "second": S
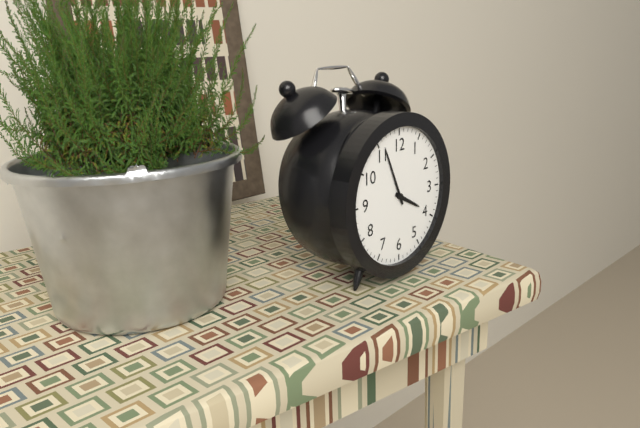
{"hour": 3, "minute": 56}
